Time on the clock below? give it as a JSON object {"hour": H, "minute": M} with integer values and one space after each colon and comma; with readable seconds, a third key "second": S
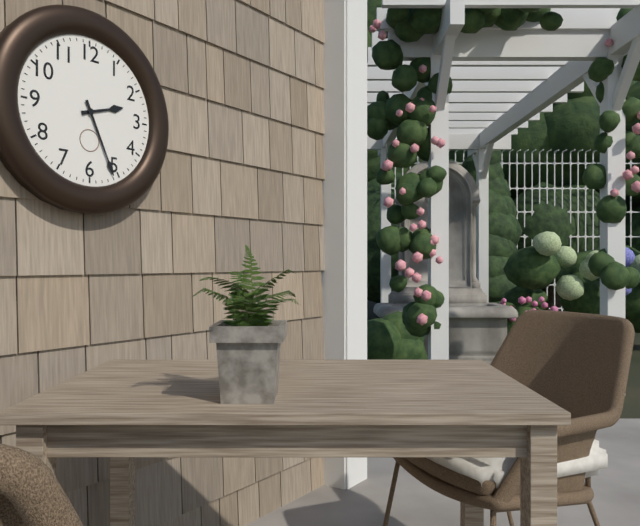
{"hour": 2, "minute": 26}
